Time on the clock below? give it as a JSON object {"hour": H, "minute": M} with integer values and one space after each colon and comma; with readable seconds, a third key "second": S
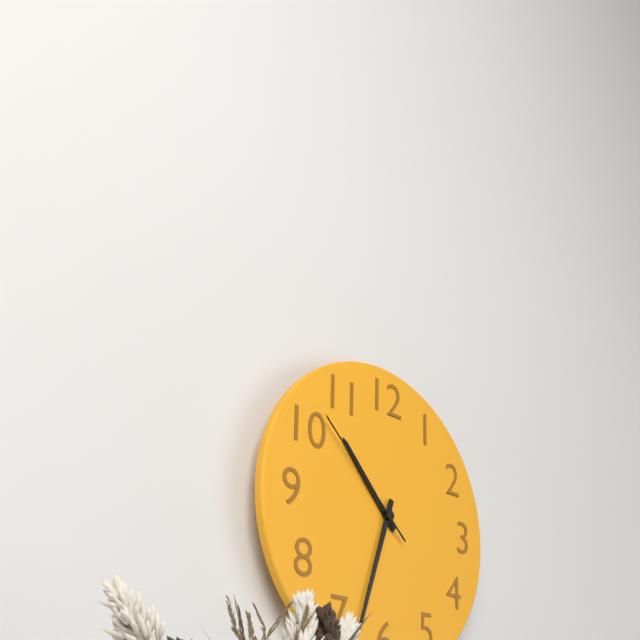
{"hour": 10, "minute": 33, "second": 52}
